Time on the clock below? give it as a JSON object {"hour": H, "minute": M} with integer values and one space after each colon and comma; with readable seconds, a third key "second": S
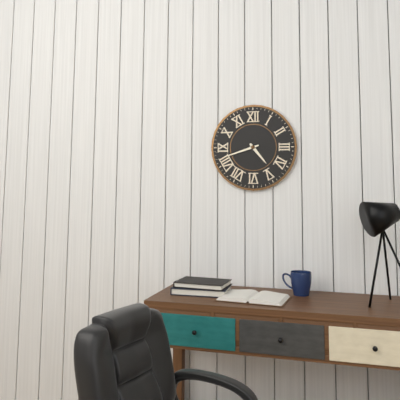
{"hour": 4, "minute": 42}
